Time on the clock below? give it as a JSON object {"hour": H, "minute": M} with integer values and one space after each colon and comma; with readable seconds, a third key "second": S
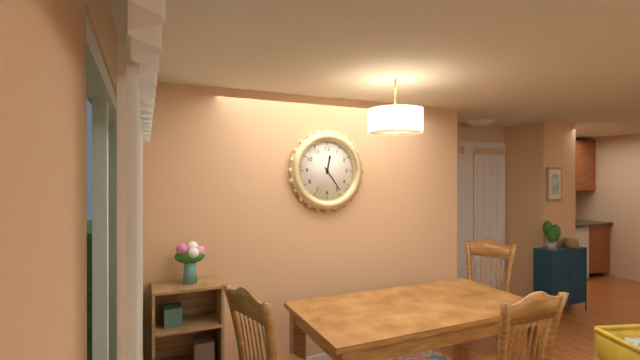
{"hour": 12, "minute": 24}
